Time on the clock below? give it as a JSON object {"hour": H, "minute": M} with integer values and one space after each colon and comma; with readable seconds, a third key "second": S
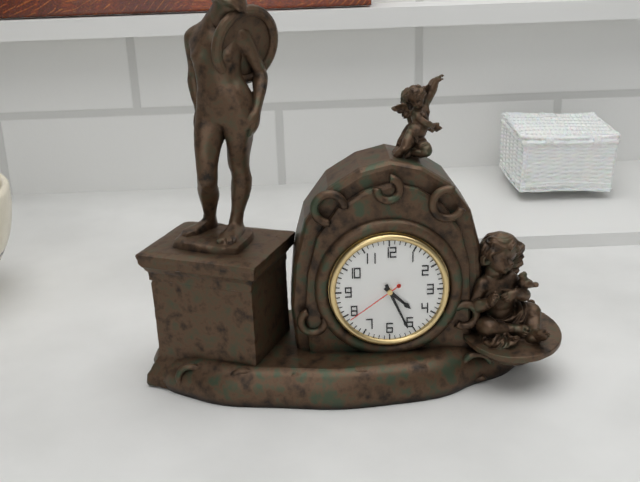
{"hour": 4, "minute": 26, "second": 39}
